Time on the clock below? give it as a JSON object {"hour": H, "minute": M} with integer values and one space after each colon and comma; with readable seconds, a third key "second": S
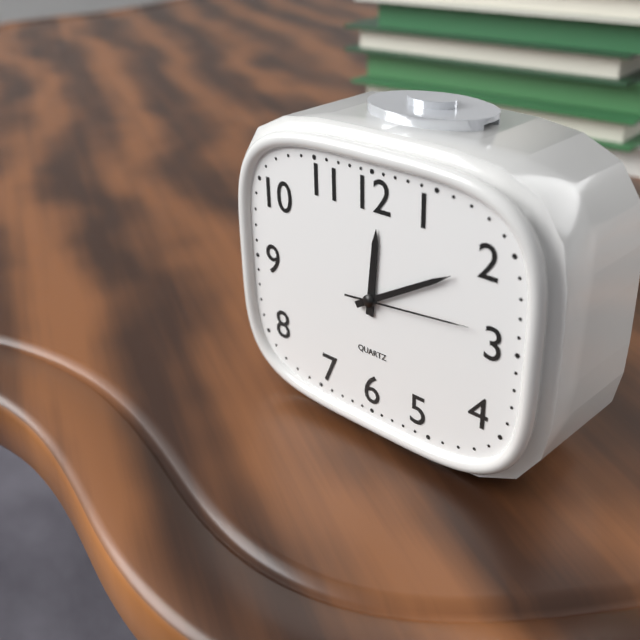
{"hour": 12, "minute": 10, "second": 14}
